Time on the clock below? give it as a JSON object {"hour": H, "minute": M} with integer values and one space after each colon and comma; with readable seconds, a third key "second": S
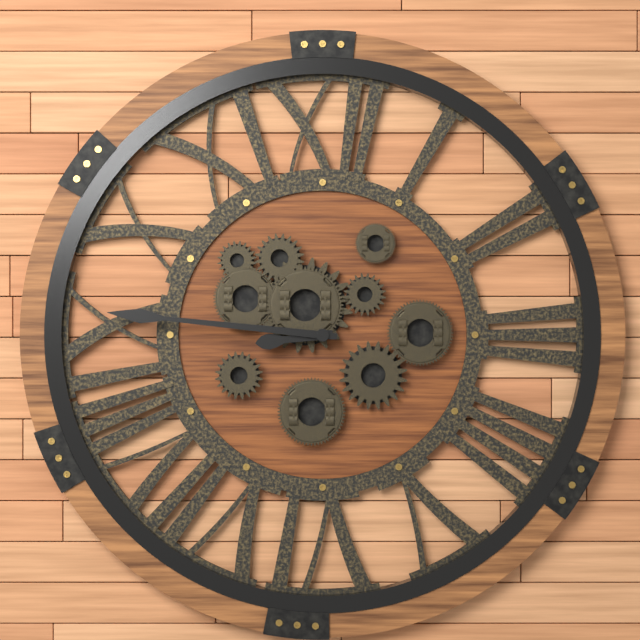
{"hour": 8, "minute": 46}
